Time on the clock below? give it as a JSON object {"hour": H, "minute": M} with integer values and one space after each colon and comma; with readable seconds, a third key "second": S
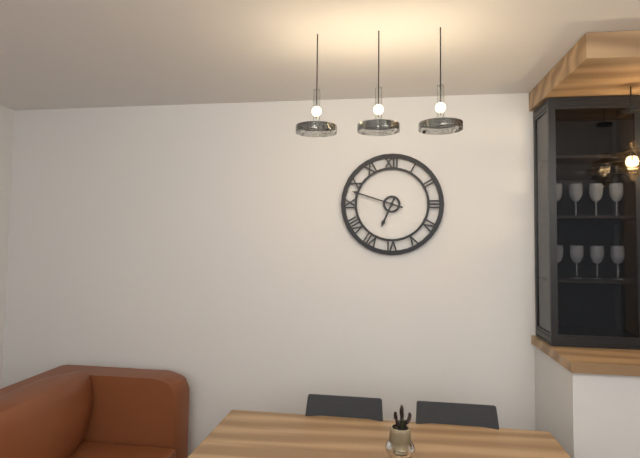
{"hour": 6, "minute": 48}
